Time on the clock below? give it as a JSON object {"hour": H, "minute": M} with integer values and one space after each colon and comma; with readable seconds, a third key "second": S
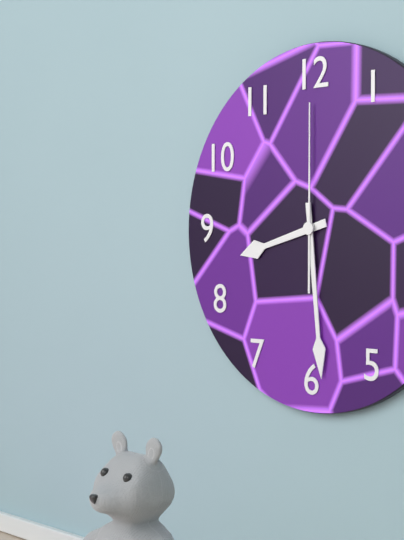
{"hour": 8, "minute": 29, "second": 0}
